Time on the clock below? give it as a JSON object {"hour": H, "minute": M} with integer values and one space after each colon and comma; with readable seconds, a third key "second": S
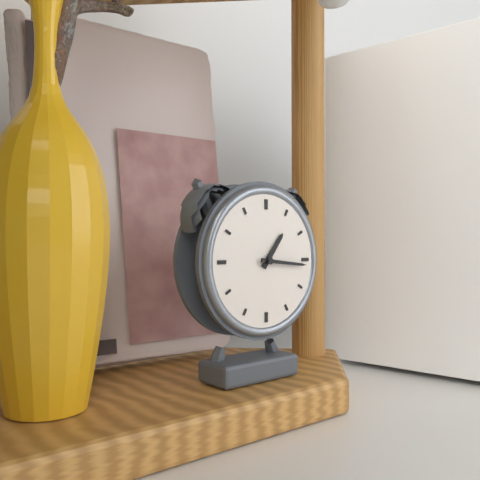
{"hour": 1, "minute": 16}
